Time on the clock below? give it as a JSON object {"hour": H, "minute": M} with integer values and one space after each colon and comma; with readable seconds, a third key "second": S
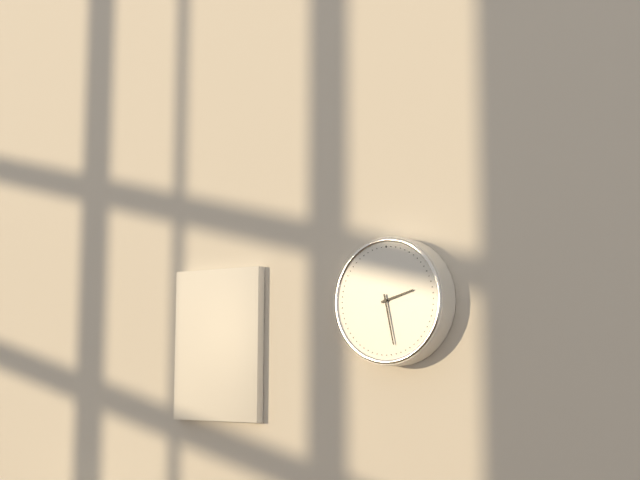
{"hour": 2, "minute": 28}
